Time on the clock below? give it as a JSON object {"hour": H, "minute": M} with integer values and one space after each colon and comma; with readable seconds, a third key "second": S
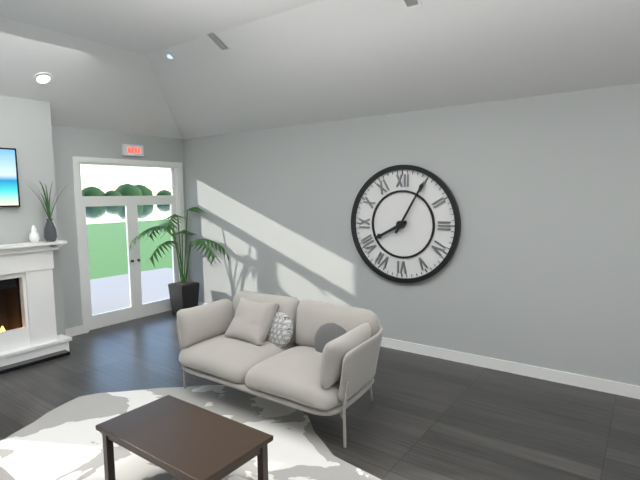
{"hour": 8, "minute": 5}
